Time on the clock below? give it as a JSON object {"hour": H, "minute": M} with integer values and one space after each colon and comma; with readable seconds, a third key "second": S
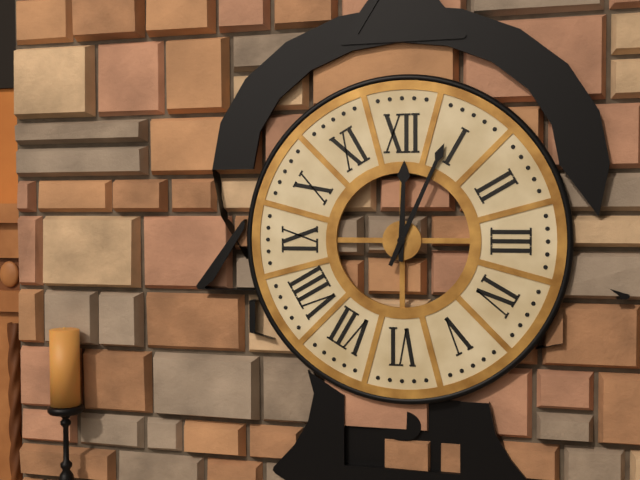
{"hour": 12, "minute": 4}
